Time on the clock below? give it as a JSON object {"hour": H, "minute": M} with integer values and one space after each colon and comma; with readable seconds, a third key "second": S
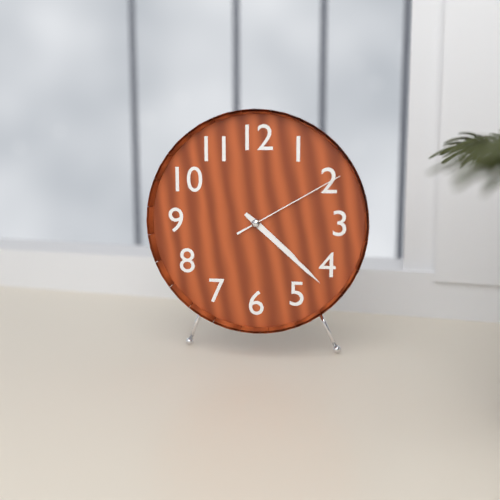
{"hour": 4, "minute": 22, "second": 10}
